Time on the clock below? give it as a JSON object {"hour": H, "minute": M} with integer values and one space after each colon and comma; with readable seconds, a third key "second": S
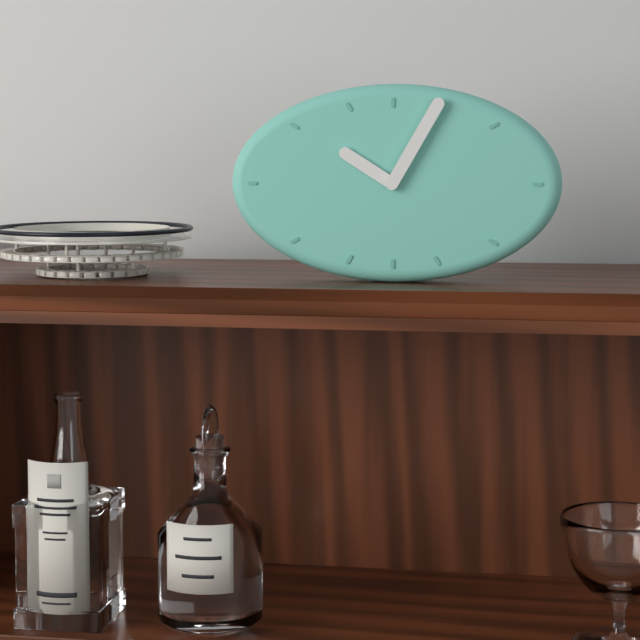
{"hour": 10, "minute": 5}
